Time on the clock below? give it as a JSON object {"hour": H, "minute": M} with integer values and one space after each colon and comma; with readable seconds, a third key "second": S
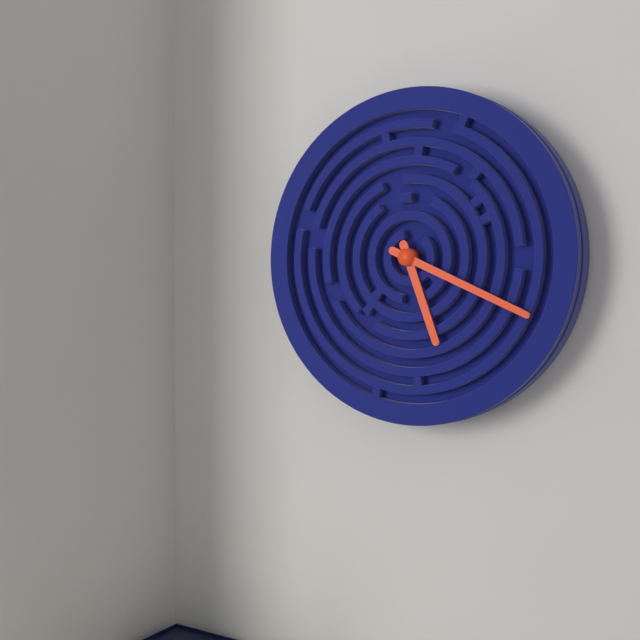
{"hour": 5, "minute": 19}
